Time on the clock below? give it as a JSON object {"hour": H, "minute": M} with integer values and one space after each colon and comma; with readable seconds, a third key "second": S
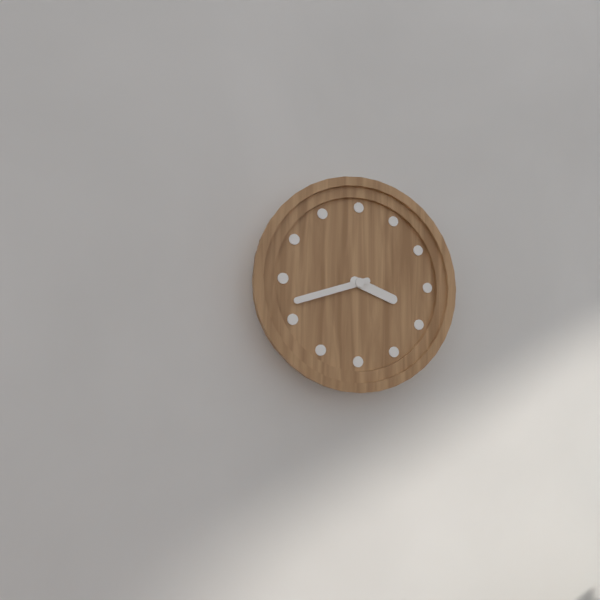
{"hour": 3, "minute": 42}
